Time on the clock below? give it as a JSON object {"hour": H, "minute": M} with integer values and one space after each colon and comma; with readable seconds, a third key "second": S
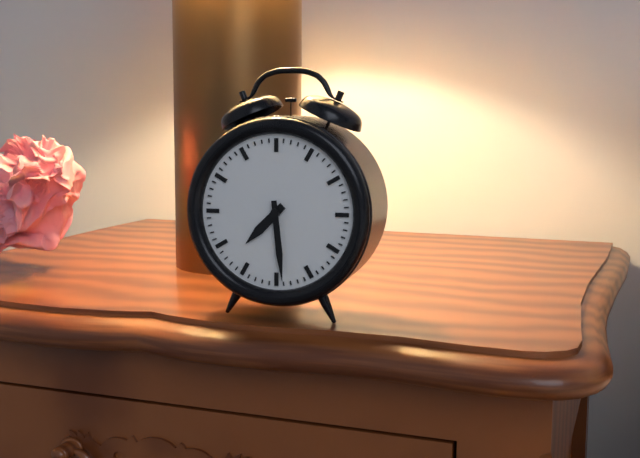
{"hour": 7, "minute": 29}
